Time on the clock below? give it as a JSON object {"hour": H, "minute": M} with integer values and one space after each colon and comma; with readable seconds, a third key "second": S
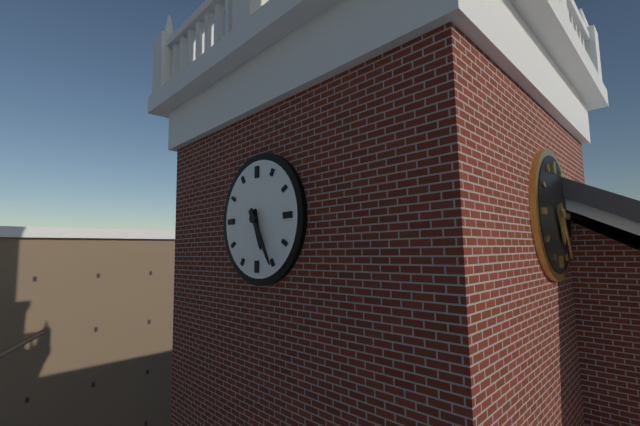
{"hour": 5, "minute": 25}
